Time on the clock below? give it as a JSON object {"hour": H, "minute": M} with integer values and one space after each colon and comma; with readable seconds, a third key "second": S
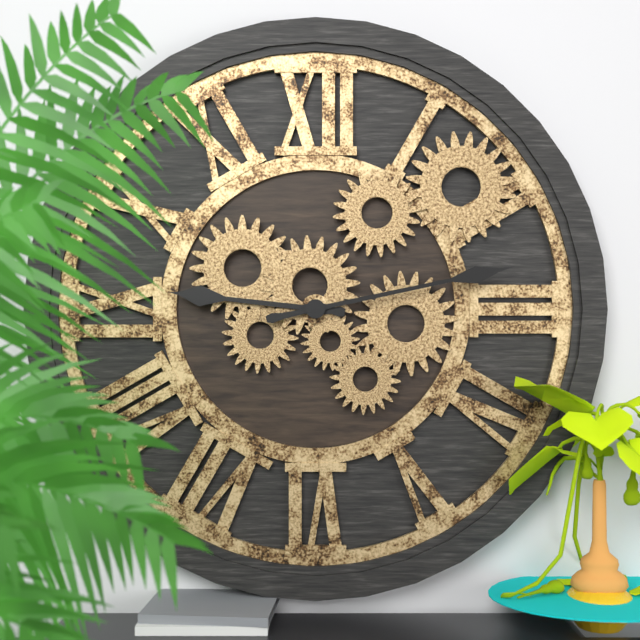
{"hour": 9, "minute": 13}
